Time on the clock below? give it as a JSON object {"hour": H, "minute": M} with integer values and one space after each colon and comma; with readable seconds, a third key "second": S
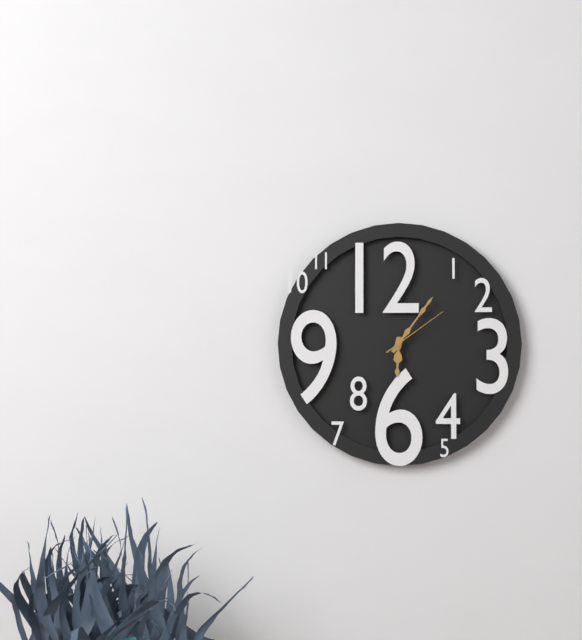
{"hour": 6, "minute": 6, "second": 9}
